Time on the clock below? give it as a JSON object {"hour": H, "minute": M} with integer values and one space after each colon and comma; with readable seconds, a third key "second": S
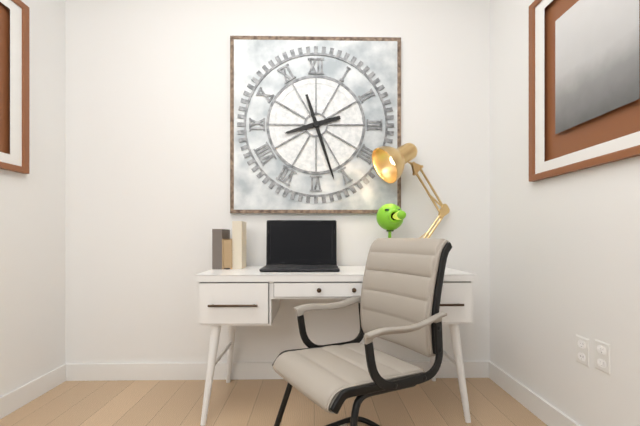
{"hour": 8, "minute": 27}
